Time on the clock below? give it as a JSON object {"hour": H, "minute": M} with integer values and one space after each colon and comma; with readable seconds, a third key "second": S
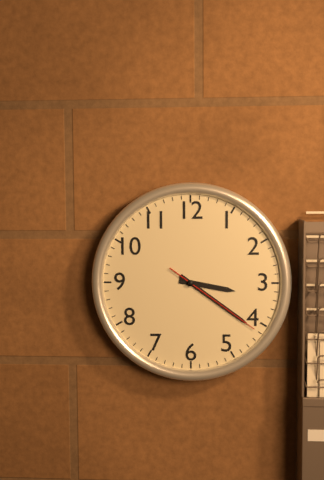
{"hour": 3, "minute": 21, "second": 21}
